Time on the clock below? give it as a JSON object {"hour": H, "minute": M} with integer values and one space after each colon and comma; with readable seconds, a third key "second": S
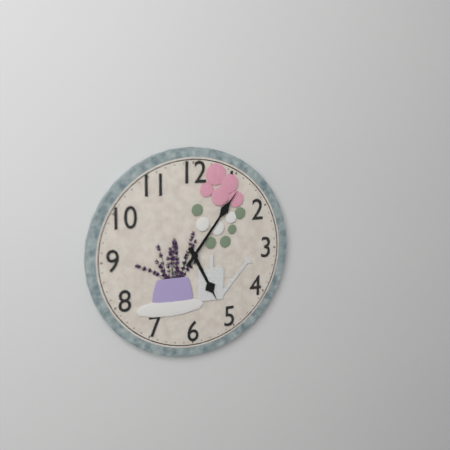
{"hour": 5, "minute": 6}
